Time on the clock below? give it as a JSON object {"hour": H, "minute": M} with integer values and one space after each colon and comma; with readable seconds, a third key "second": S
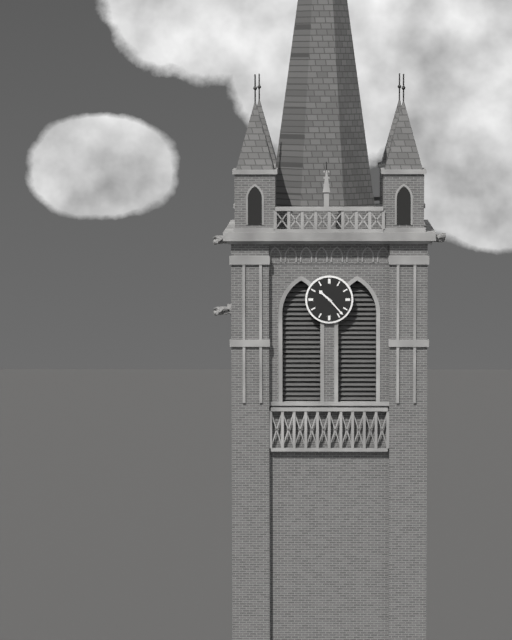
{"hour": 10, "minute": 23}
